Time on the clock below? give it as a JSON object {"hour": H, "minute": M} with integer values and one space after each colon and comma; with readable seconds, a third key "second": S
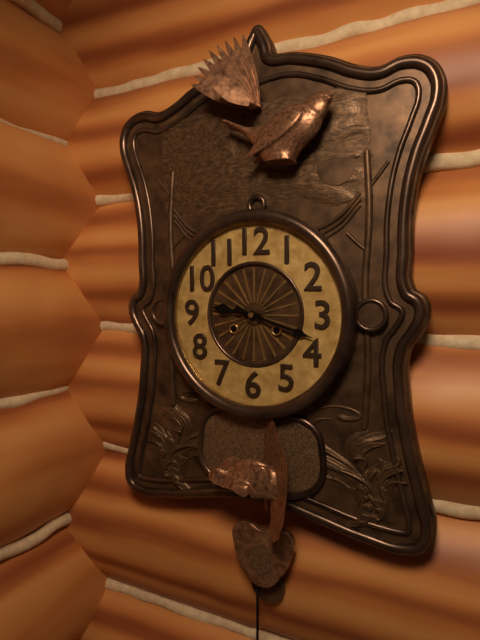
{"hour": 9, "minute": 18}
